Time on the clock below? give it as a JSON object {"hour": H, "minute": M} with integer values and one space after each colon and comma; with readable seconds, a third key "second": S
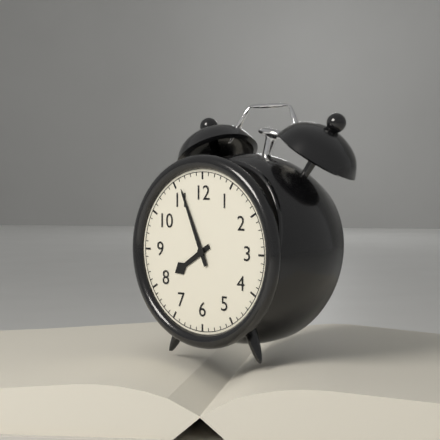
{"hour": 7, "minute": 56}
